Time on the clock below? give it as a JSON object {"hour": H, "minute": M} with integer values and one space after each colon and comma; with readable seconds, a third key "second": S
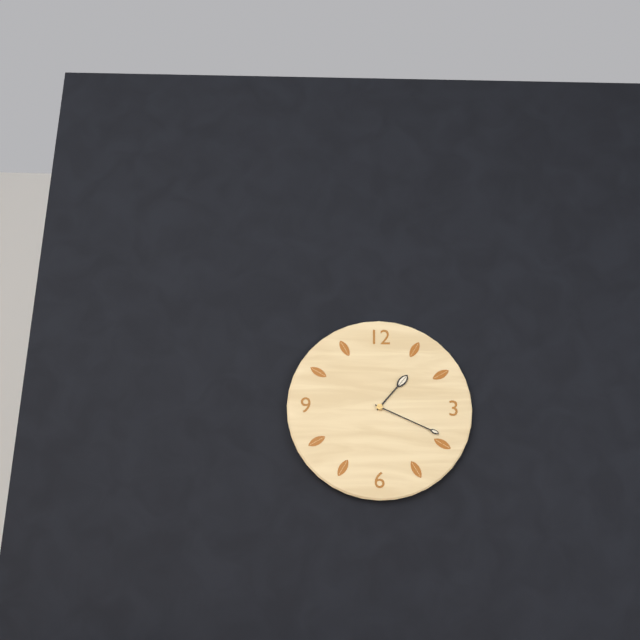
{"hour": 1, "minute": 19}
